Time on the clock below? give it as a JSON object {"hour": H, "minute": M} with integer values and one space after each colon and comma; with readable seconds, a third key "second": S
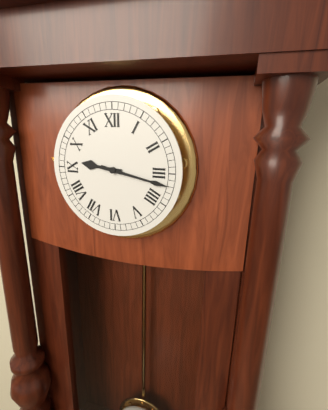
{"hour": 9, "minute": 17}
